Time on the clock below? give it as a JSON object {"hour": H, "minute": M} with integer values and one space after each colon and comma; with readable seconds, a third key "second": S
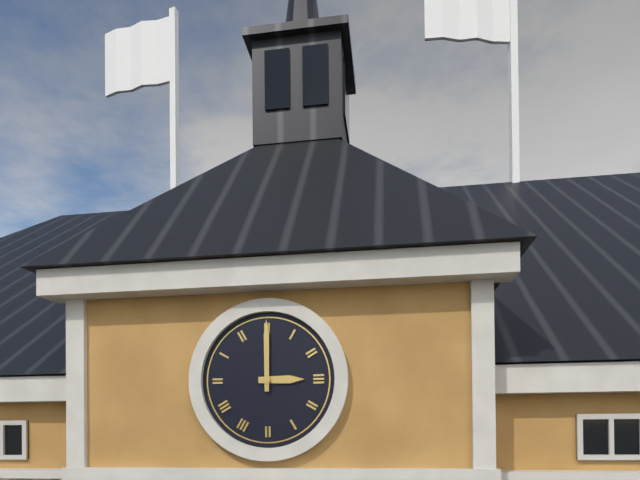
{"hour": 3, "minute": 0}
